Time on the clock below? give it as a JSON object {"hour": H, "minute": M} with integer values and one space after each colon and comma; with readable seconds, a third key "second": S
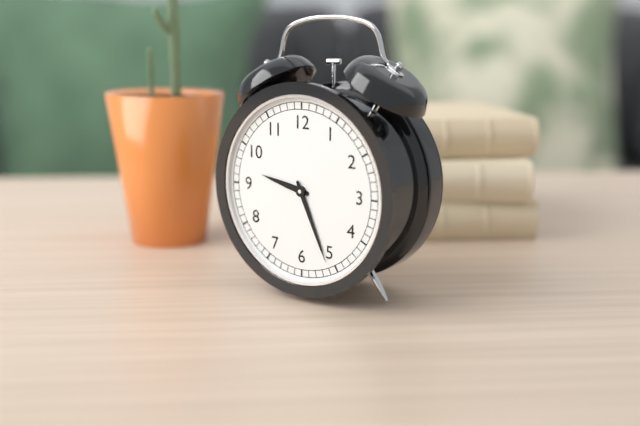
{"hour": 9, "minute": 26}
